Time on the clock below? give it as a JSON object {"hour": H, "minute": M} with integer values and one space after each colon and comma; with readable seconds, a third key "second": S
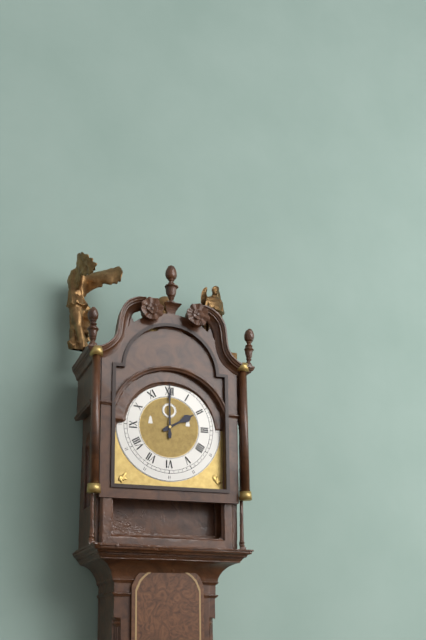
{"hour": 2, "minute": 0}
